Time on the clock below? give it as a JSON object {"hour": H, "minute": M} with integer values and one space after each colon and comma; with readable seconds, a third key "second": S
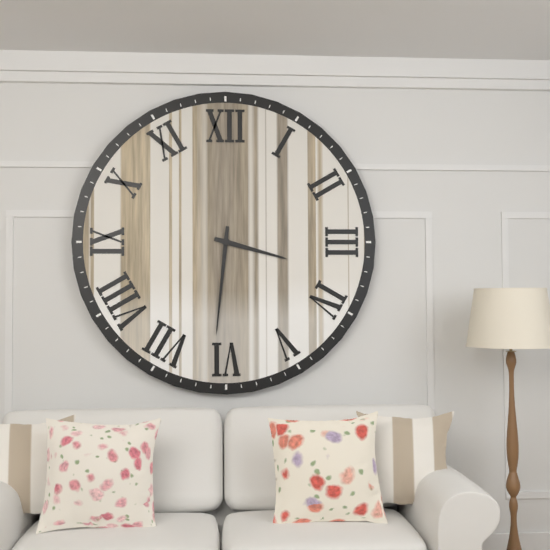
{"hour": 3, "minute": 31}
